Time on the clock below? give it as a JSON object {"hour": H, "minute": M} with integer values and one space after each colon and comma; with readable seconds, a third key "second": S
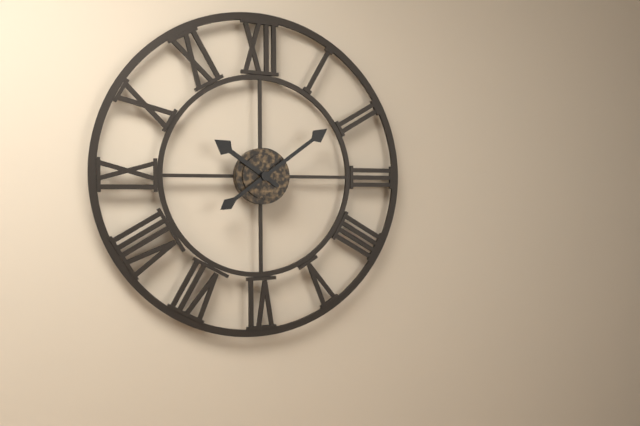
{"hour": 10, "minute": 9}
